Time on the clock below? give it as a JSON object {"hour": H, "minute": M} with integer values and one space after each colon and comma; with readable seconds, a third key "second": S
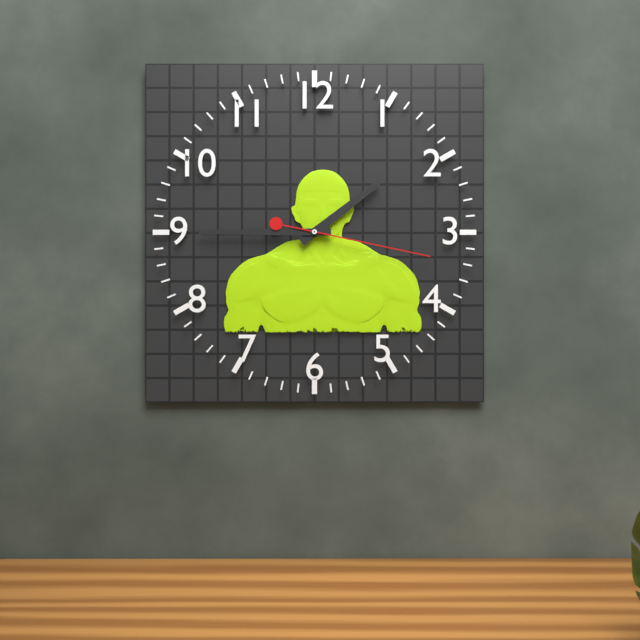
{"hour": 1, "minute": 45, "second": 17}
